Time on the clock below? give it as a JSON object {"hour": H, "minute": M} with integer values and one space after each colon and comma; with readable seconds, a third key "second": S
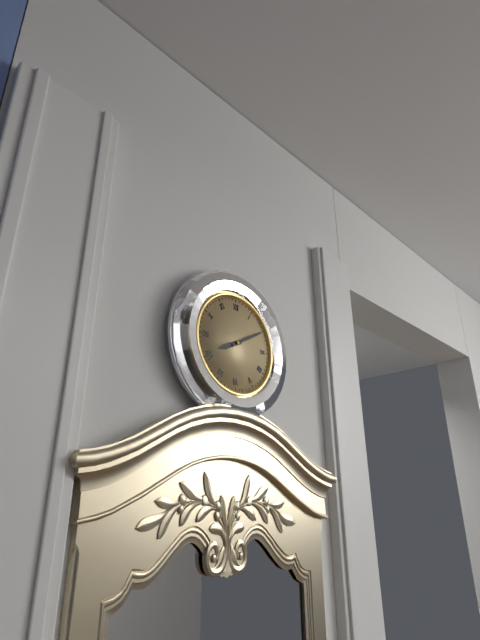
{"hour": 8, "minute": 10}
